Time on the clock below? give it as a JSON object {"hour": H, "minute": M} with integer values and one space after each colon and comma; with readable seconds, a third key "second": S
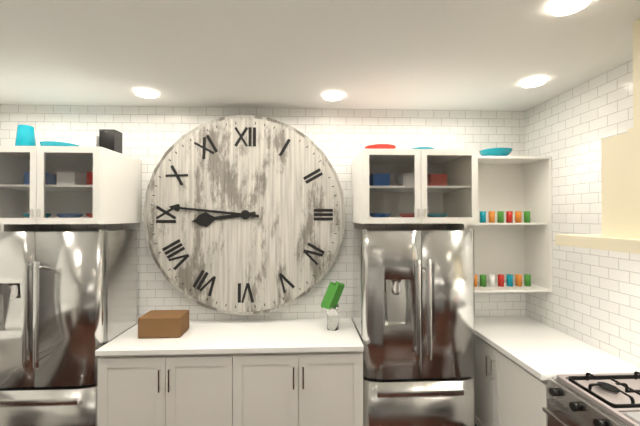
{"hour": 8, "minute": 46}
